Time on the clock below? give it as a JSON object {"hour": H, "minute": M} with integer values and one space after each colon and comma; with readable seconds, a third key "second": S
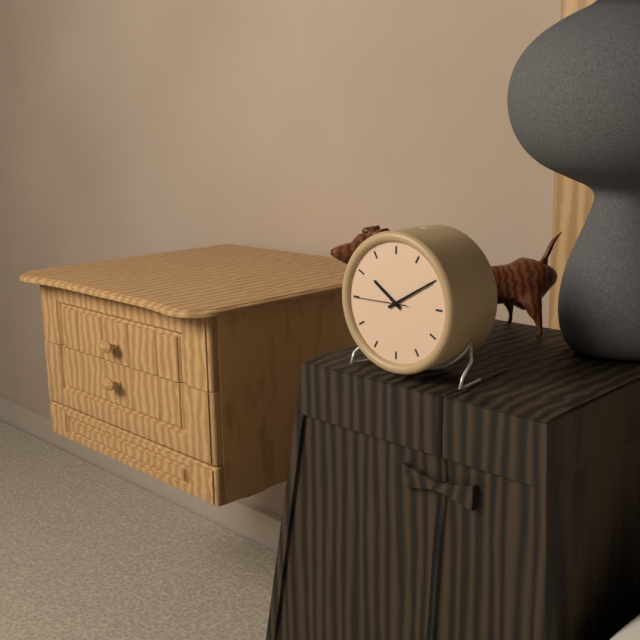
{"hour": 10, "minute": 10, "second": 45}
